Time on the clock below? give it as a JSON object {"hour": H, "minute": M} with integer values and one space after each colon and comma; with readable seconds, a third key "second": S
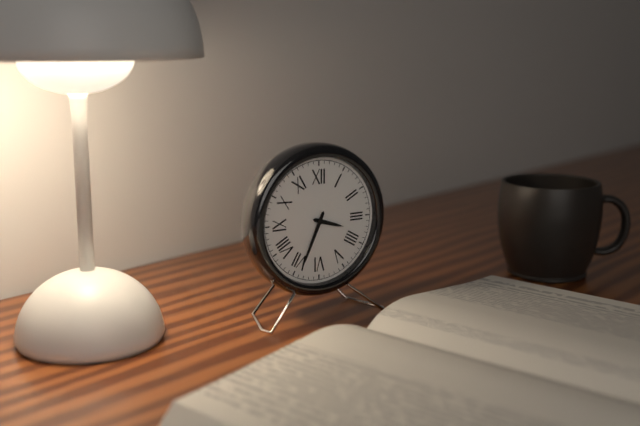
{"hour": 3, "minute": 34}
